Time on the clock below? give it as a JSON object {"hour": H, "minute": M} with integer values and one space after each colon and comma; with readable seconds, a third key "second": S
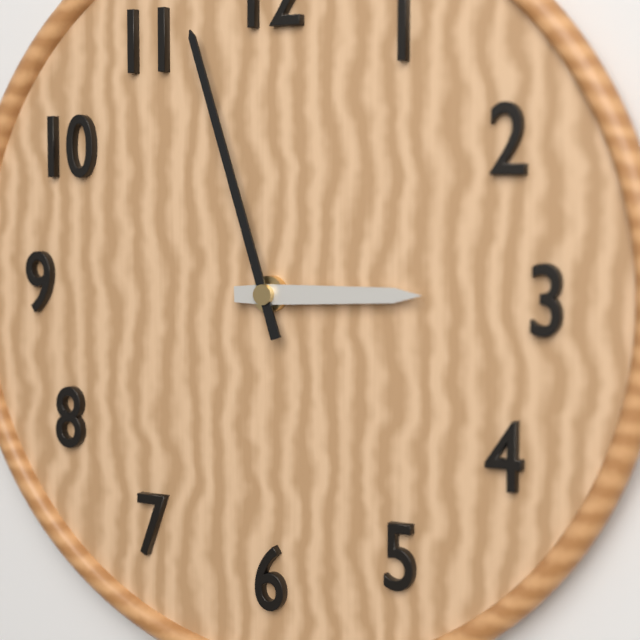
{"hour": 2, "minute": 57}
